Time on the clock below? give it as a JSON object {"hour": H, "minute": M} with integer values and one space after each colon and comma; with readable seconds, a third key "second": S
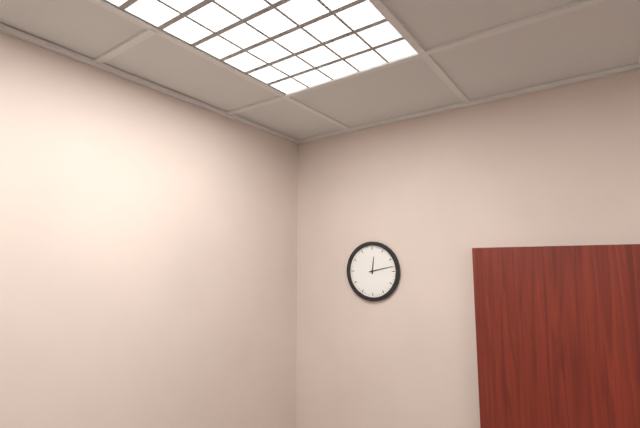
{"hour": 12, "minute": 13}
